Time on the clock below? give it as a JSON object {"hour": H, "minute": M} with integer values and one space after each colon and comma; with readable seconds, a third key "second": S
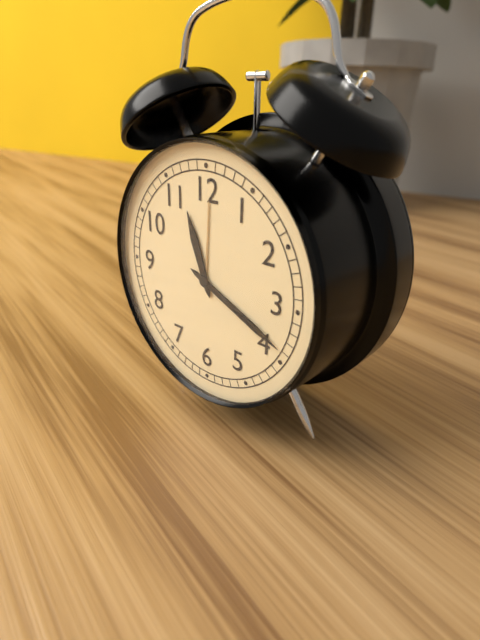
{"hour": 11, "minute": 19}
